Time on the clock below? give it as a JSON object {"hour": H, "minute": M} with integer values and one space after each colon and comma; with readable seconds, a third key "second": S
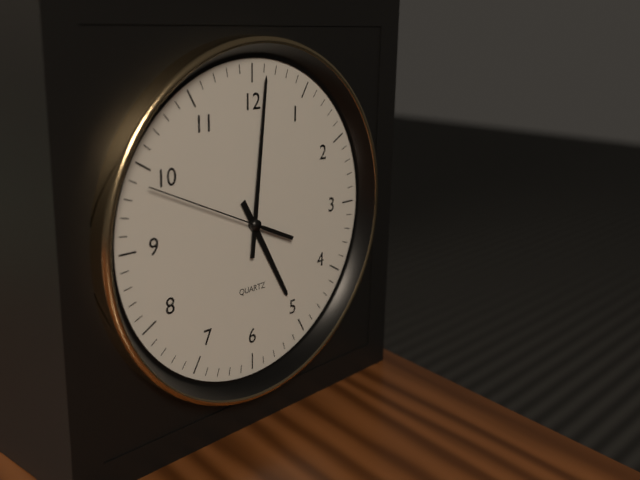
{"hour": 5, "minute": 1, "second": 49}
